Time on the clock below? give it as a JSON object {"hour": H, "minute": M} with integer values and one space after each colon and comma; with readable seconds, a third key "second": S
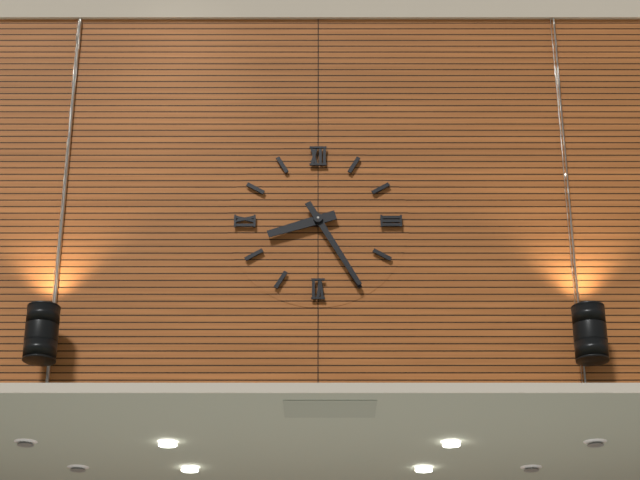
{"hour": 8, "minute": 25}
